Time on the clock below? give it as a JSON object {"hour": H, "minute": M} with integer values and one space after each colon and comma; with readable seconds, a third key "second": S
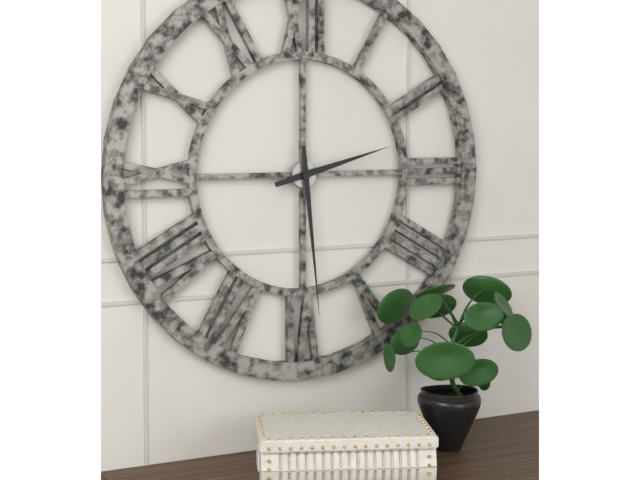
{"hour": 2, "minute": 29}
